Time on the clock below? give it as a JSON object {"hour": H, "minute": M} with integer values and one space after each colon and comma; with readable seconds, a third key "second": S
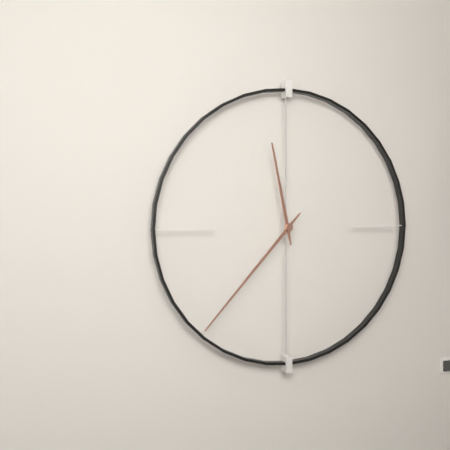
{"hour": 11, "minute": 37}
